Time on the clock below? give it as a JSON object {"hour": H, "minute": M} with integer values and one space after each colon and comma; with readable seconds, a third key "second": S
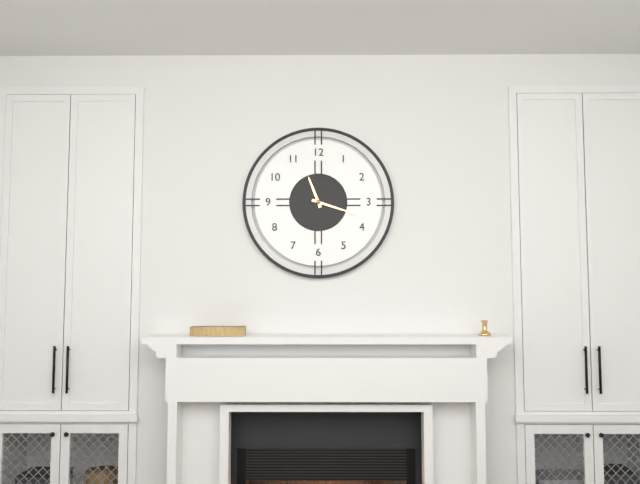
{"hour": 11, "minute": 18}
